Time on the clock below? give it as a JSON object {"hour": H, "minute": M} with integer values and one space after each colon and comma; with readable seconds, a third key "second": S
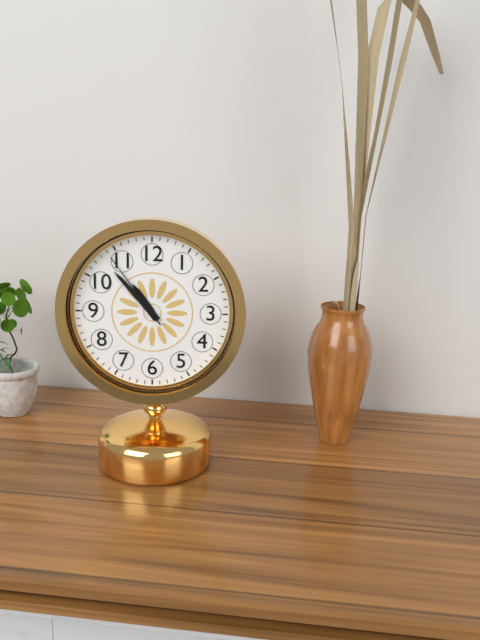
{"hour": 10, "minute": 53, "second": 54}
